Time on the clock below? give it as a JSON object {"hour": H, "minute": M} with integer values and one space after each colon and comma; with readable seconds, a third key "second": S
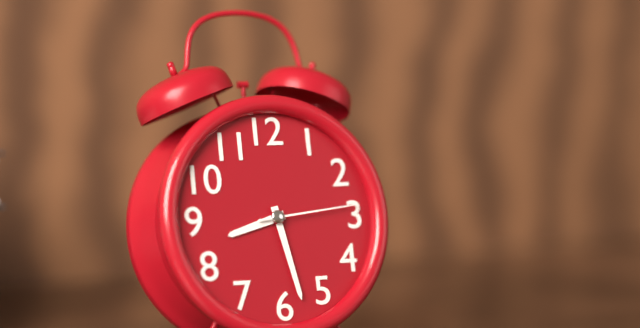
{"hour": 8, "minute": 28, "second": 14}
